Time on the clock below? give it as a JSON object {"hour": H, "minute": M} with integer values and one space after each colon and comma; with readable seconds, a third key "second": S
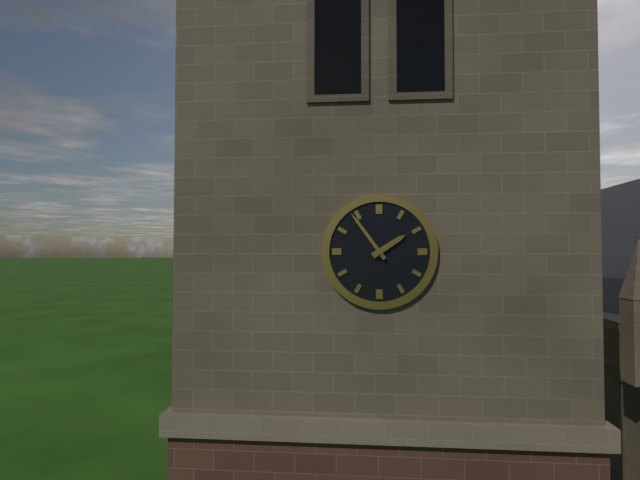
{"hour": 1, "minute": 54}
